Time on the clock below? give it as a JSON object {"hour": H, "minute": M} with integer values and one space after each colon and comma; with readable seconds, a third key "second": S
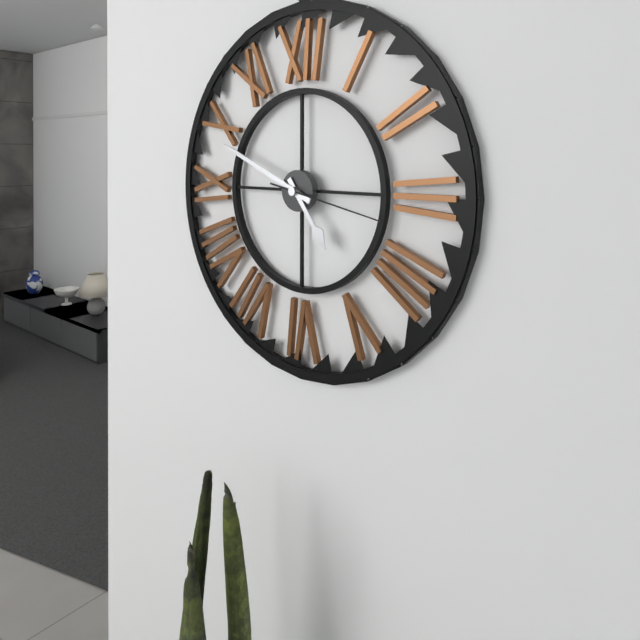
{"hour": 4, "minute": 49, "second": 17}
